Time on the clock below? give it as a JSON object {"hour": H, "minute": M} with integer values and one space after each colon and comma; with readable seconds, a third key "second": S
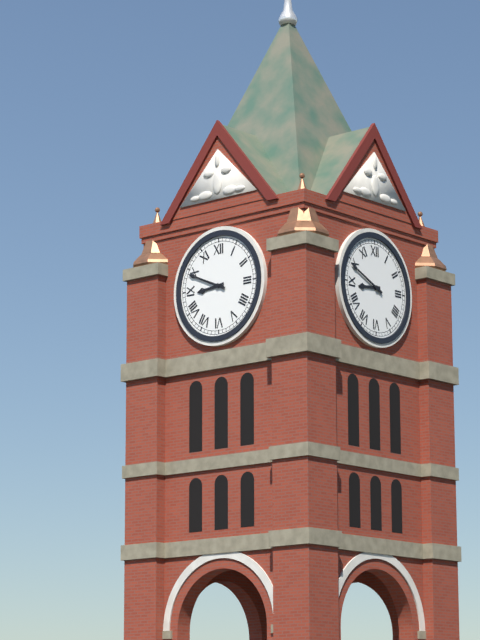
{"hour": 8, "minute": 49}
